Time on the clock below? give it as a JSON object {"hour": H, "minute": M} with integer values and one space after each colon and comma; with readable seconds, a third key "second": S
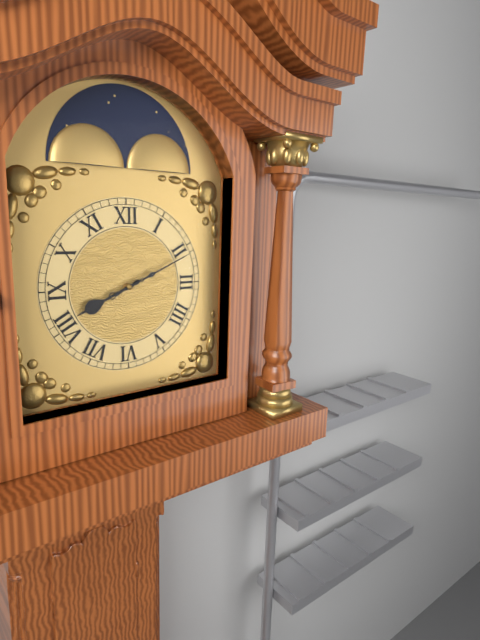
{"hour": 8, "minute": 11}
